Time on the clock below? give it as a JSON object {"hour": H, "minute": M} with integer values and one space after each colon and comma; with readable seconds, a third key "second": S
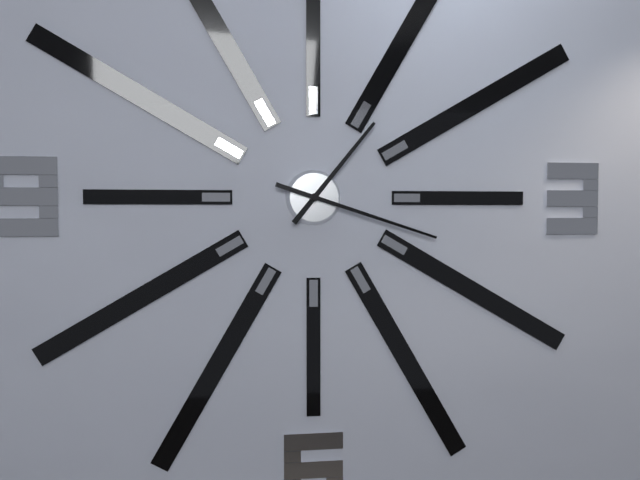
{"hour": 1, "minute": 18}
